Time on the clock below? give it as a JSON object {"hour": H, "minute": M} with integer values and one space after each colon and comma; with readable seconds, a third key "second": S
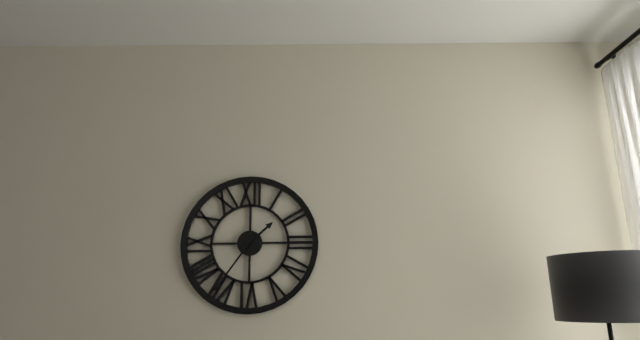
{"hour": 1, "minute": 36}
